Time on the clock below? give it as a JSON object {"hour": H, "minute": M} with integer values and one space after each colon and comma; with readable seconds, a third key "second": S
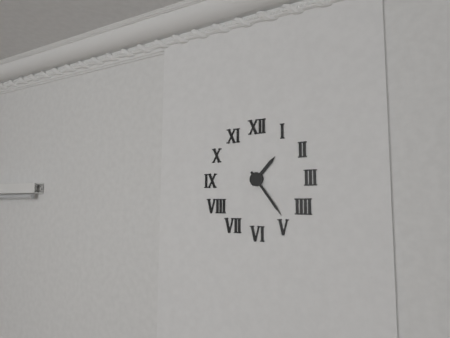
{"hour": 1, "minute": 24}
